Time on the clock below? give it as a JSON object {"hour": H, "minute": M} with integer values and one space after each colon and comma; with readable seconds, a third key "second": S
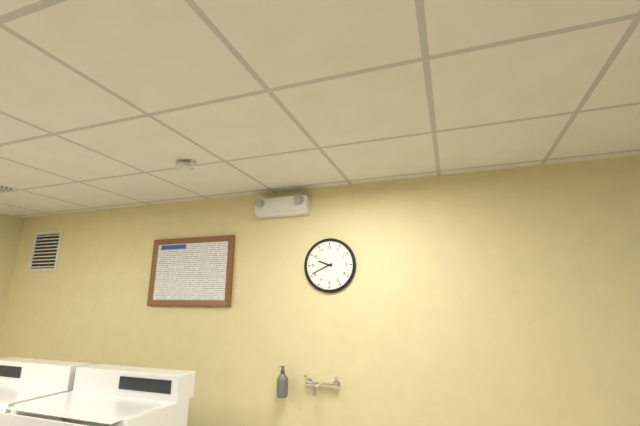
{"hour": 9, "minute": 41}
